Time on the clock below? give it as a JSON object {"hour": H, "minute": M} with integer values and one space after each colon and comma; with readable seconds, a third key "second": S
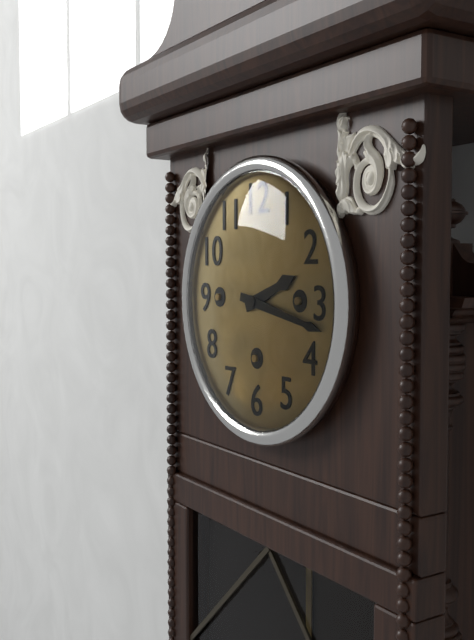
{"hour": 2, "minute": 17}
